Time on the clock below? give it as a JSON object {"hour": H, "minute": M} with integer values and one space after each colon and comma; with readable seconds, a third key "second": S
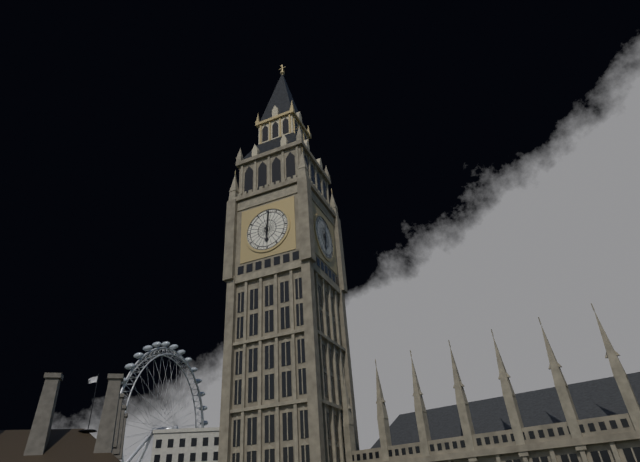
{"hour": 6, "minute": 1}
